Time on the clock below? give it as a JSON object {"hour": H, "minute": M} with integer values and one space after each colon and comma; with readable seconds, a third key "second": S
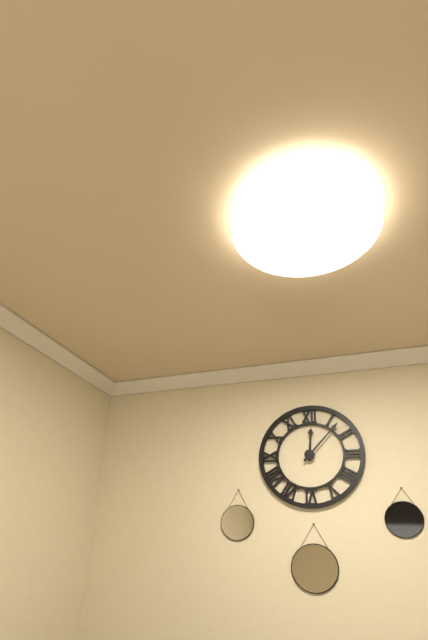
{"hour": 12, "minute": 7}
